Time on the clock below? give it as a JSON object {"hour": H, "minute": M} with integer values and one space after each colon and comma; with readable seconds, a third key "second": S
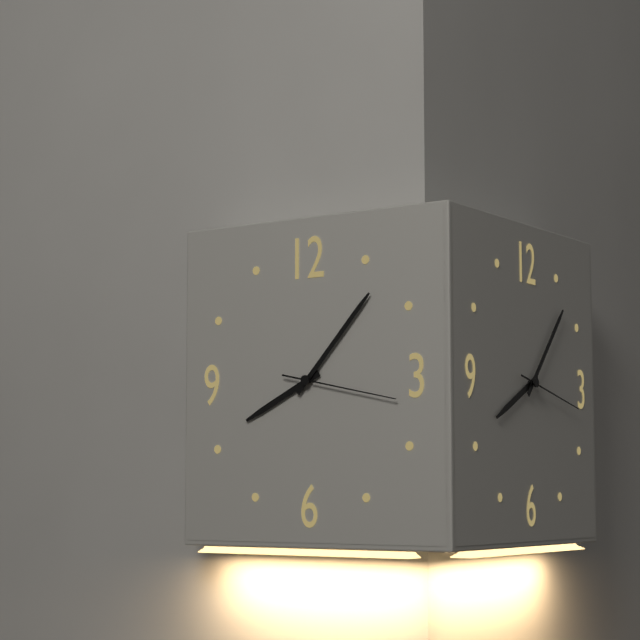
{"hour": 8, "minute": 7, "second": 17}
